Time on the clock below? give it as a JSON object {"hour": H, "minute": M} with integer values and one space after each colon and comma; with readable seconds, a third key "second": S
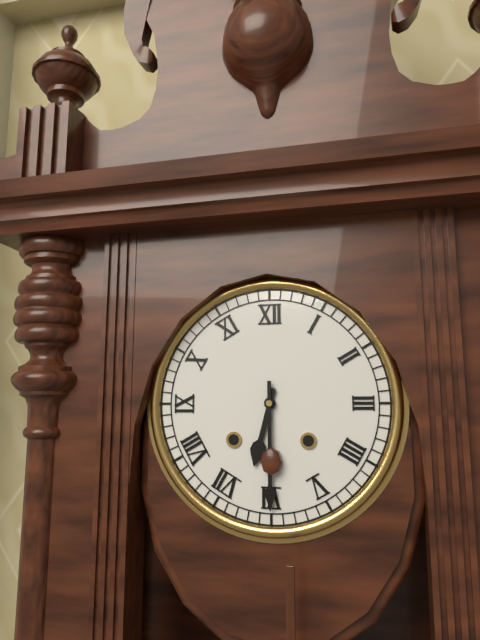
{"hour": 6, "minute": 30}
